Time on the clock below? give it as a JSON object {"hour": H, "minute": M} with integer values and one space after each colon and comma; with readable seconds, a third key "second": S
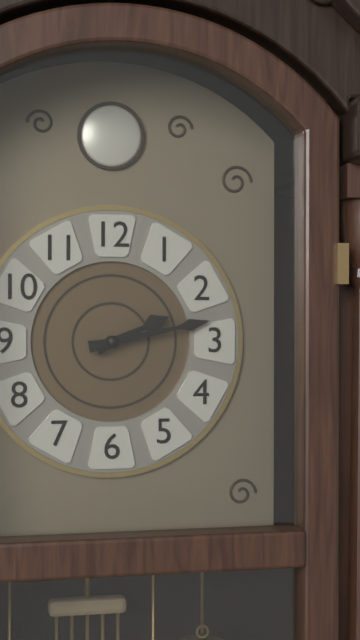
{"hour": 2, "minute": 13}
